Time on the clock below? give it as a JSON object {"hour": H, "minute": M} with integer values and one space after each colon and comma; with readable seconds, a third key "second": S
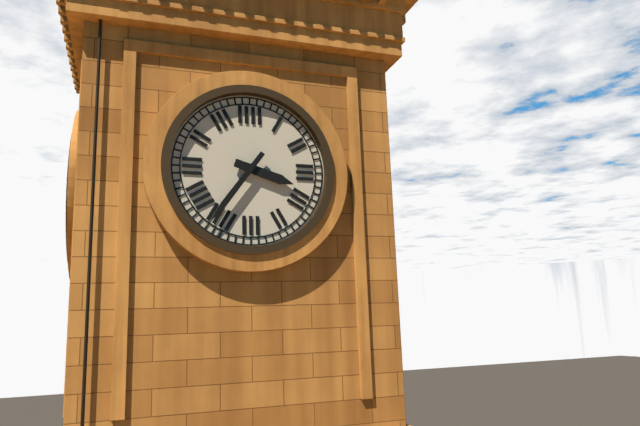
{"hour": 3, "minute": 36}
